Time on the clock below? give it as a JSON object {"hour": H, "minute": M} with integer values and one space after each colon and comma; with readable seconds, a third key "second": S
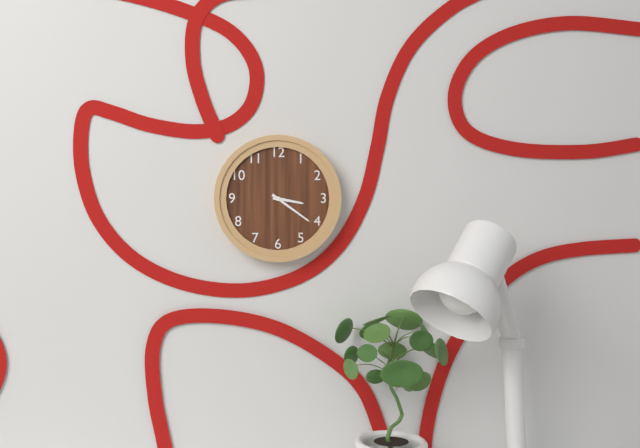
{"hour": 3, "minute": 21}
